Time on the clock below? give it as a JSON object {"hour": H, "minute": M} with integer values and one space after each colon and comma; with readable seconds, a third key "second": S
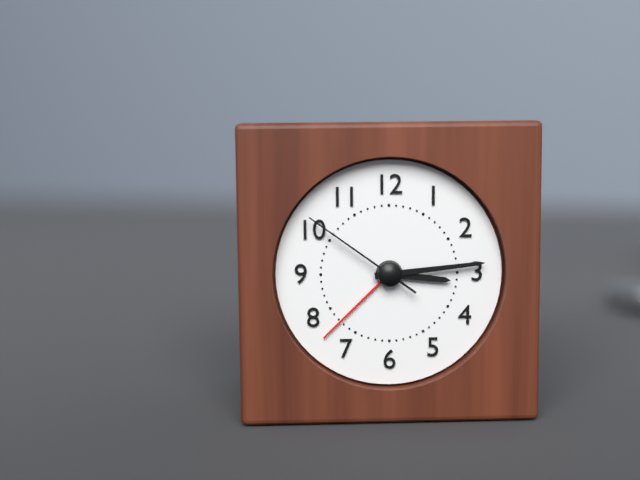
{"hour": 3, "minute": 14, "second": 51}
